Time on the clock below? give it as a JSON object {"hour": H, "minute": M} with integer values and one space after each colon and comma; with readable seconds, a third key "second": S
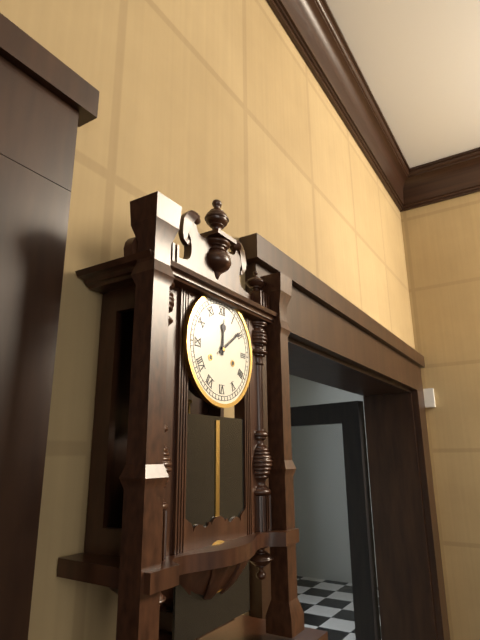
{"hour": 12, "minute": 9}
